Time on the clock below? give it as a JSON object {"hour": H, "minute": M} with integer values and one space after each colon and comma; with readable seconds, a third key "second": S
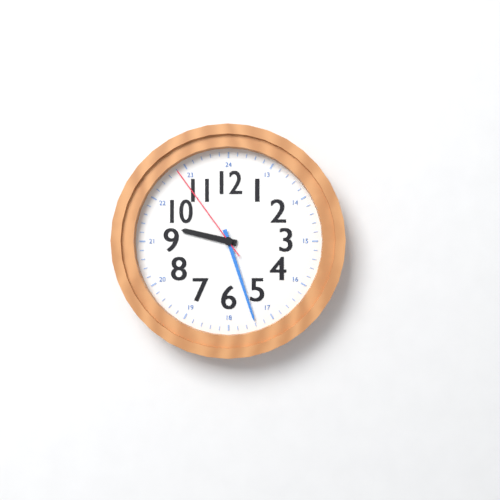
{"hour": 9, "minute": 27, "second": 54}
